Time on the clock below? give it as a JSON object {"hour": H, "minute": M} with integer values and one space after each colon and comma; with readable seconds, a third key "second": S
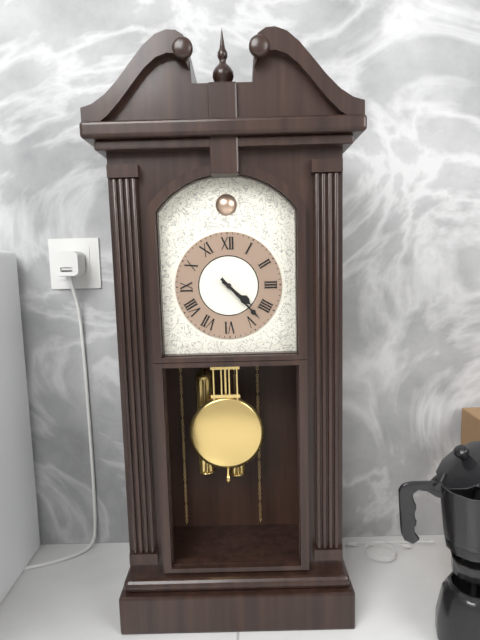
{"hour": 4, "minute": 23}
